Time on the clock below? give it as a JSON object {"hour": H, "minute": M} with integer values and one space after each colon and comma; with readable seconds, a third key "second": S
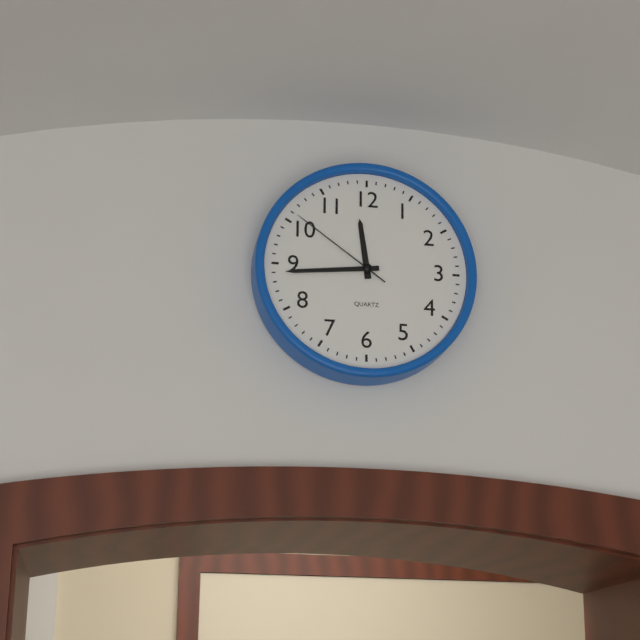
{"hour": 11, "minute": 44, "second": 51}
